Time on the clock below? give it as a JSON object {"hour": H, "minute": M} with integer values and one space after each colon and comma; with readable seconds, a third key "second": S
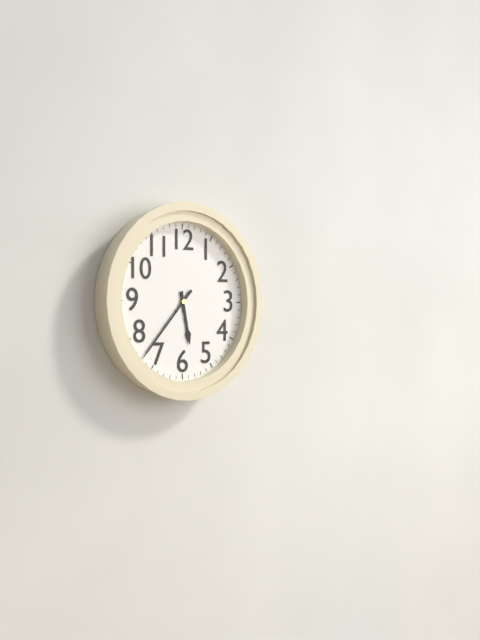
{"hour": 5, "minute": 37}
